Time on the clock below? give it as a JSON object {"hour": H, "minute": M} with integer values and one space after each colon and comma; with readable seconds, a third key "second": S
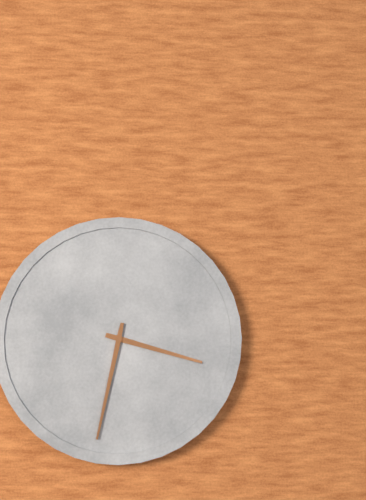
{"hour": 3, "minute": 32}
